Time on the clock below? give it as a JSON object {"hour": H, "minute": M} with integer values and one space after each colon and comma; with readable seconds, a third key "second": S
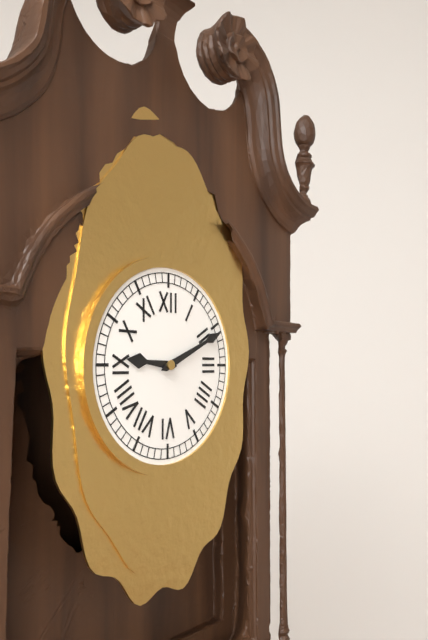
{"hour": 9, "minute": 11}
